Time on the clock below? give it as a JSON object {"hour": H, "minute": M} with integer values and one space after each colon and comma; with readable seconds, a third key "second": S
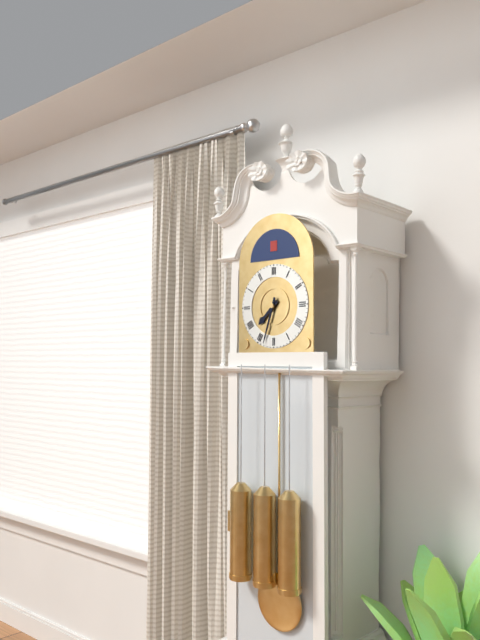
{"hour": 7, "minute": 33}
